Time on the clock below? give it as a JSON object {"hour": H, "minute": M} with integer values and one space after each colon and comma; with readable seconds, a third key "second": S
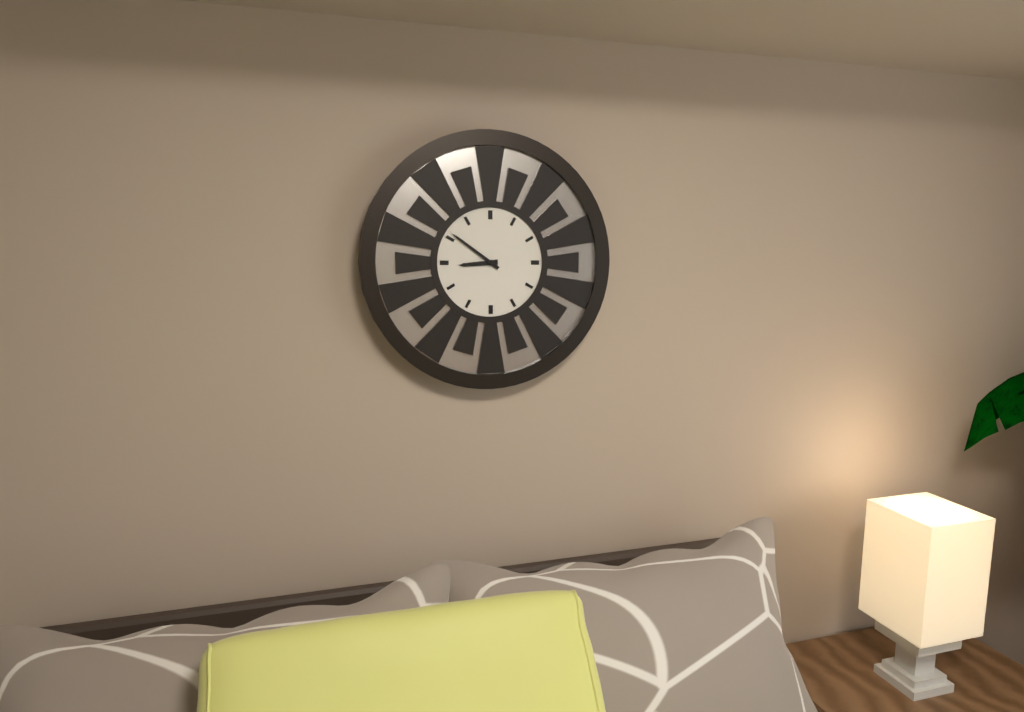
{"hour": 8, "minute": 51}
